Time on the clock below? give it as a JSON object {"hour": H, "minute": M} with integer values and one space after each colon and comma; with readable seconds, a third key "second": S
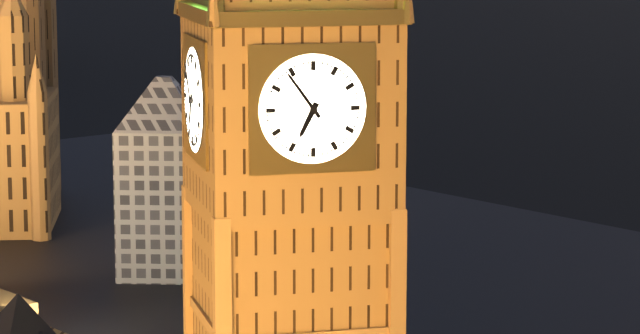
{"hour": 6, "minute": 54}
